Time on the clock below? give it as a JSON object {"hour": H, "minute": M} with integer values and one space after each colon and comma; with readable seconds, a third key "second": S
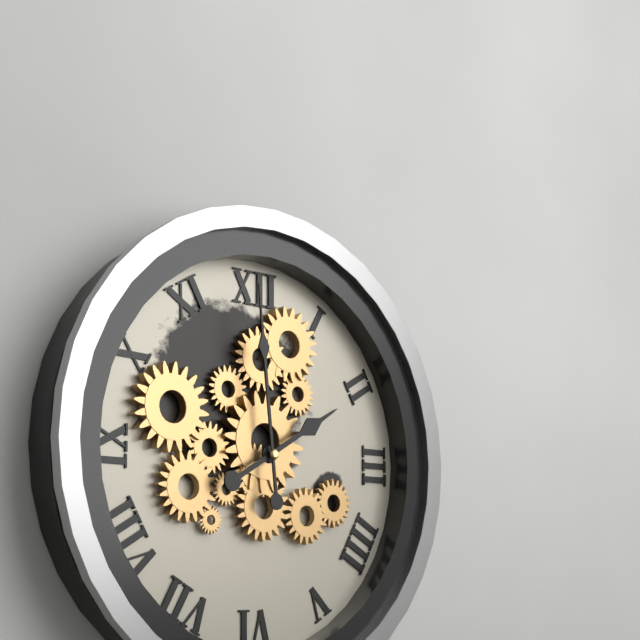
{"hour": 1, "minute": 59}
